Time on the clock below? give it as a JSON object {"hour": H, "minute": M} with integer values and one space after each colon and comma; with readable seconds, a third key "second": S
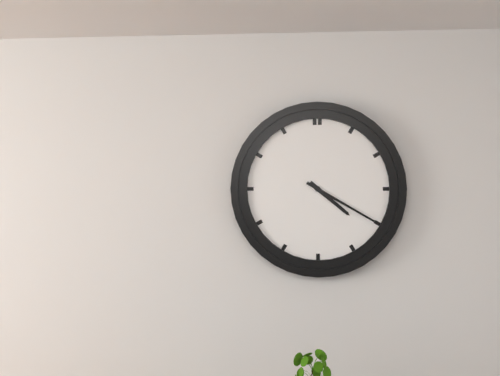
{"hour": 4, "minute": 20}
